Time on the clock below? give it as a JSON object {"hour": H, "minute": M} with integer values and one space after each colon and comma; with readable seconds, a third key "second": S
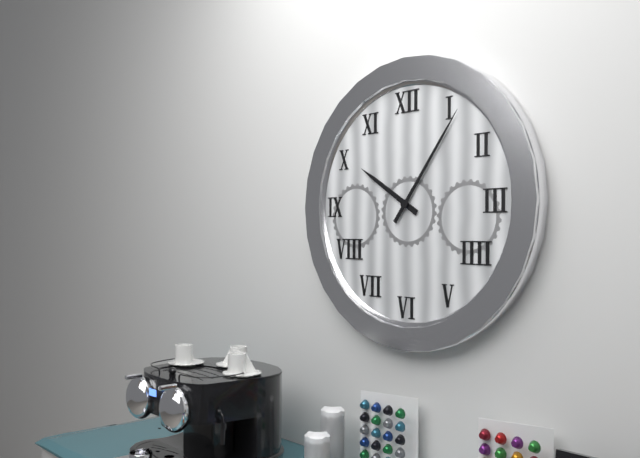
{"hour": 10, "minute": 6}
